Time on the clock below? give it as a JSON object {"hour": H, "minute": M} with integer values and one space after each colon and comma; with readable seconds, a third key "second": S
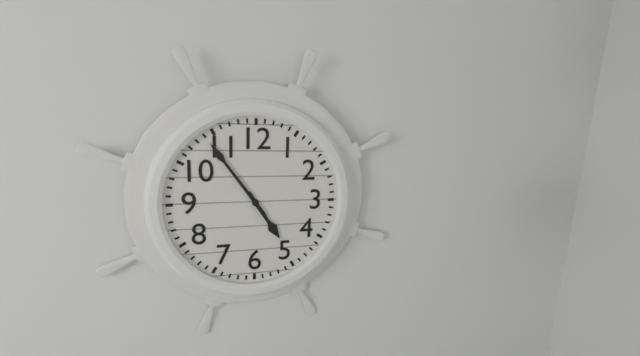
{"hour": 4, "minute": 54}
